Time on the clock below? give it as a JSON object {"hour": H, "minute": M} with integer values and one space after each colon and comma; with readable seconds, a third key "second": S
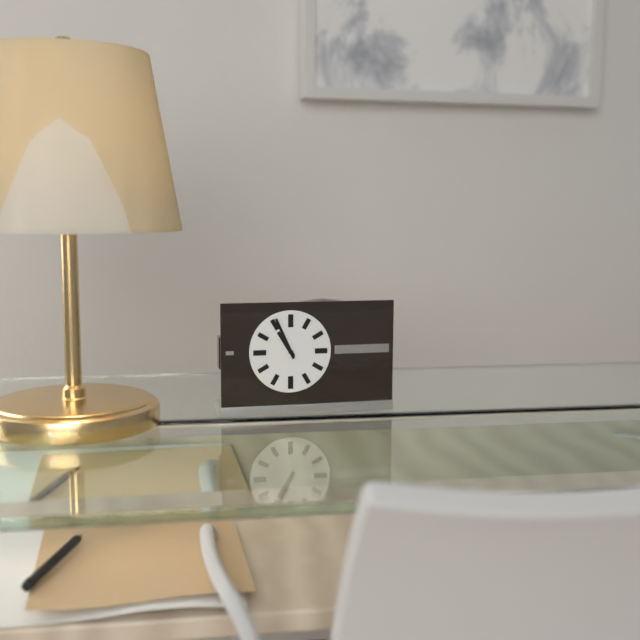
{"hour": 10, "minute": 56}
